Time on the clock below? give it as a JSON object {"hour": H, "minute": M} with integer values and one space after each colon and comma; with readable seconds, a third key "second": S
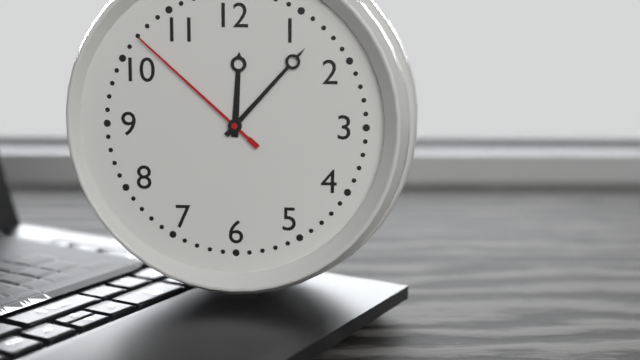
{"hour": 12, "minute": 7, "second": 52}
